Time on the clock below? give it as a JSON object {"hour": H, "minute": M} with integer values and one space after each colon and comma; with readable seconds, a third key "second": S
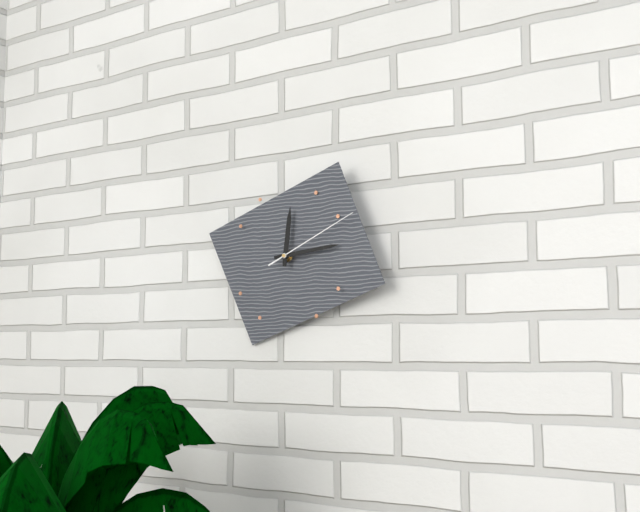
{"hour": 12, "minute": 14, "second": 11}
